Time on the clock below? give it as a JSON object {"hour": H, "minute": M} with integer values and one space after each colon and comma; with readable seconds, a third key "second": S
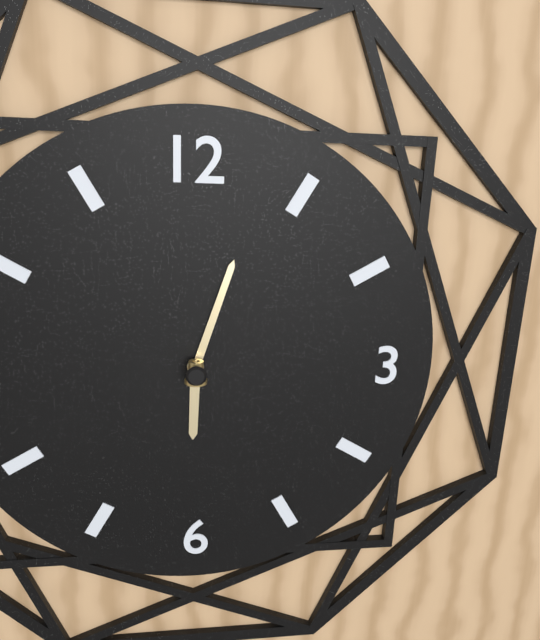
{"hour": 6, "minute": 3}
